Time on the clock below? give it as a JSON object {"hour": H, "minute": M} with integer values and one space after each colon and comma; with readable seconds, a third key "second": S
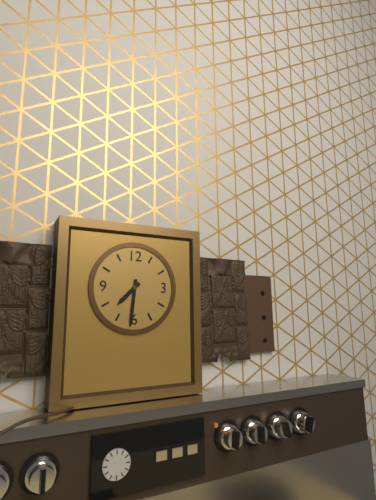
{"hour": 7, "minute": 31}
